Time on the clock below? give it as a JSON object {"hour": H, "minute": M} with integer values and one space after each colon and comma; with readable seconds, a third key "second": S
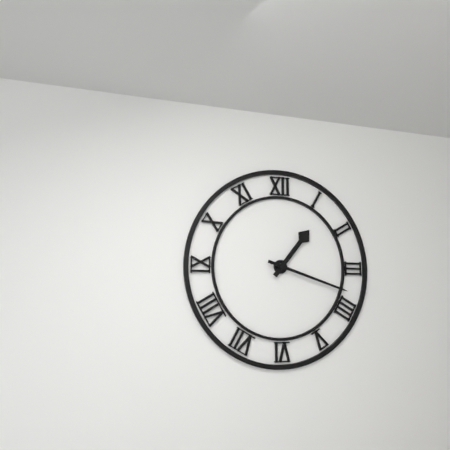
{"hour": 1, "minute": 18}
